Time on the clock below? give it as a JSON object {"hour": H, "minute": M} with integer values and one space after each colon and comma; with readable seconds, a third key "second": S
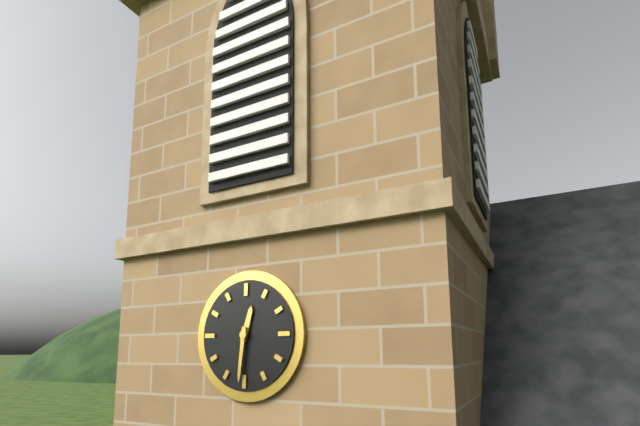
{"hour": 12, "minute": 31}
